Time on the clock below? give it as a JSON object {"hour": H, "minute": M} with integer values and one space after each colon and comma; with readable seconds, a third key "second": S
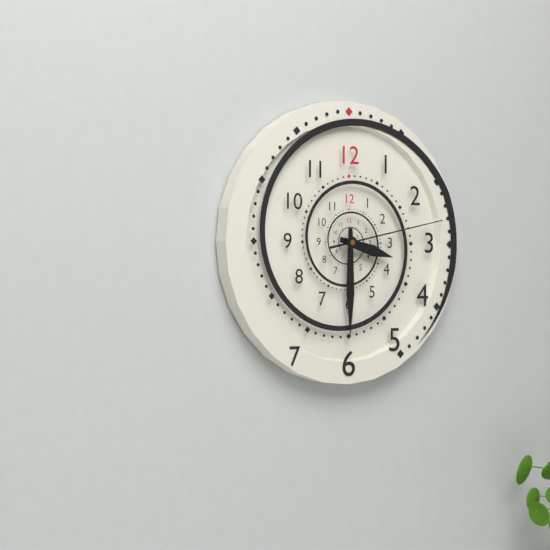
{"hour": 3, "minute": 30, "second": 13}
